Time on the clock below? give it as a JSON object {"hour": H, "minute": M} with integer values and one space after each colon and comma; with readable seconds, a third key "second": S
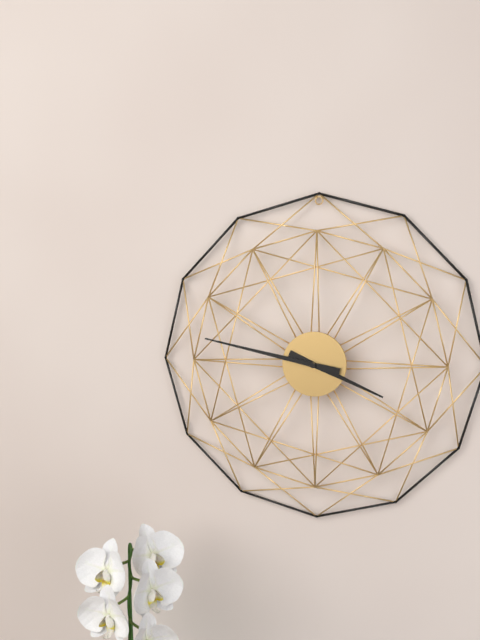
{"hour": 3, "minute": 47}
